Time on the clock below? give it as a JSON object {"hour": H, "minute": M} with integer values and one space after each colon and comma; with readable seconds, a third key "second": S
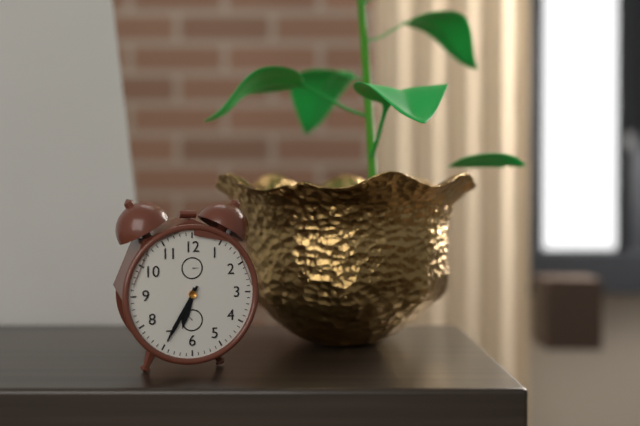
{"hour": 6, "minute": 35}
